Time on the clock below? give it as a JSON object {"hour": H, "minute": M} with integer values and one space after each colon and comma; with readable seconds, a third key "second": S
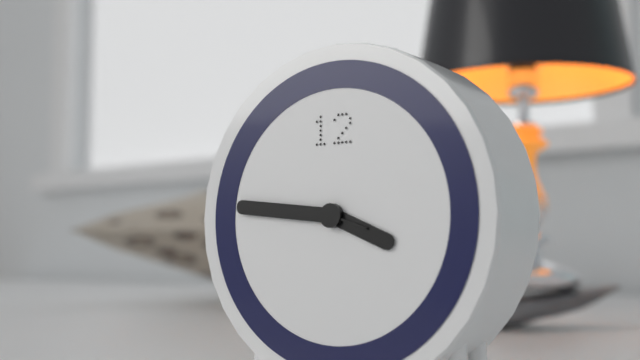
{"hour": 3, "minute": 46}
